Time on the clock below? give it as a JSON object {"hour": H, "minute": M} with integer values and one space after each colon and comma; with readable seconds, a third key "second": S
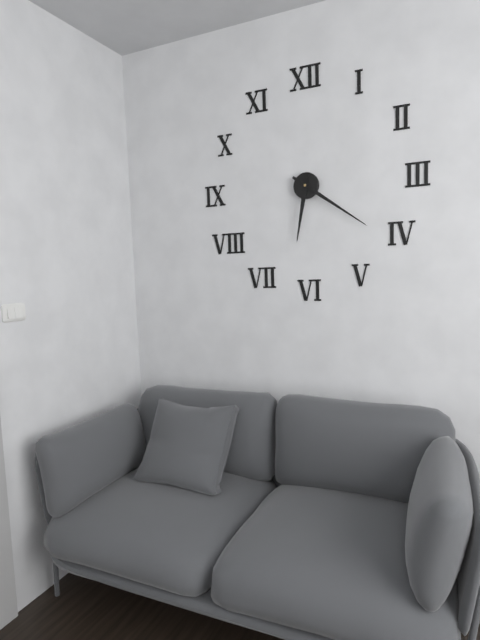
{"hour": 6, "minute": 21}
